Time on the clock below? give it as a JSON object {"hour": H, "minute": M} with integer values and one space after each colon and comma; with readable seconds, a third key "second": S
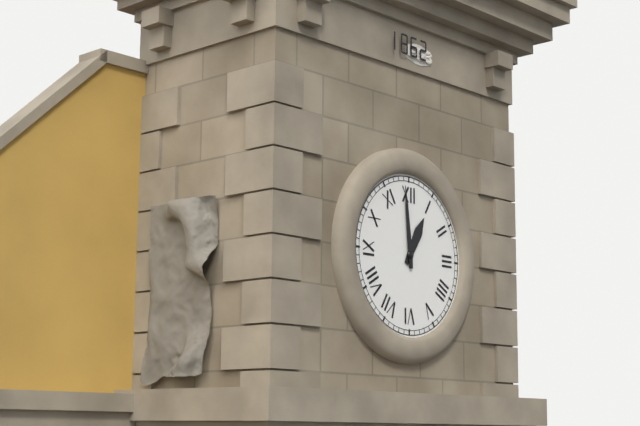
{"hour": 12, "minute": 59}
